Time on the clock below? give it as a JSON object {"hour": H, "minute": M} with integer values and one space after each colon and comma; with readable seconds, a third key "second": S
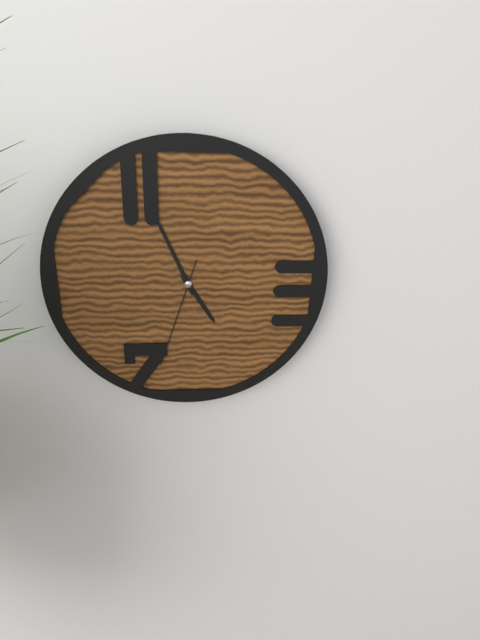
{"hour": 4, "minute": 56, "second": 33}
